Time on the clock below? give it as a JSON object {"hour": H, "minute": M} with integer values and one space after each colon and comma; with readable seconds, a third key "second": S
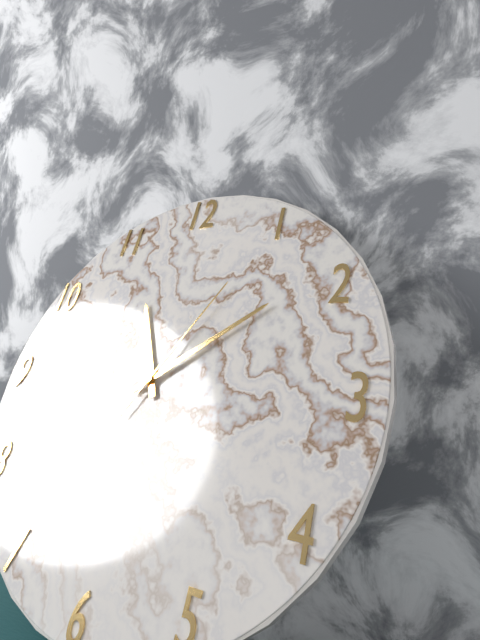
{"hour": 11, "minute": 9, "second": 5}
